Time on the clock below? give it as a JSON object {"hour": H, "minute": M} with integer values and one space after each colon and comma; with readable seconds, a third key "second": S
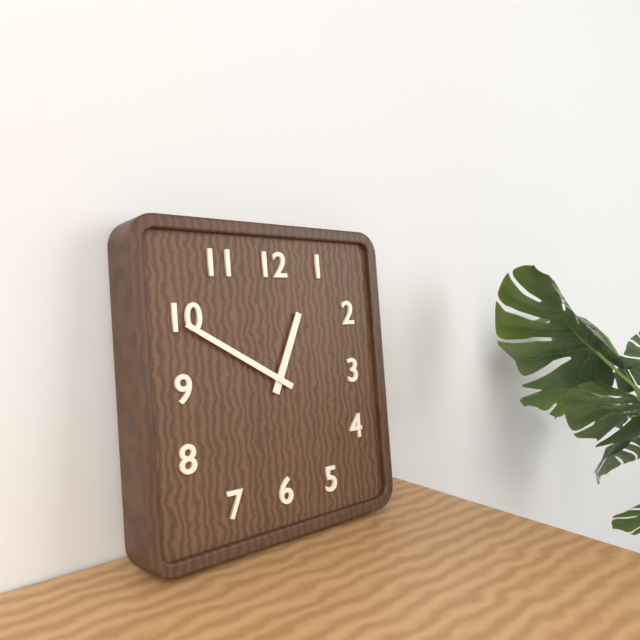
{"hour": 12, "minute": 50}
